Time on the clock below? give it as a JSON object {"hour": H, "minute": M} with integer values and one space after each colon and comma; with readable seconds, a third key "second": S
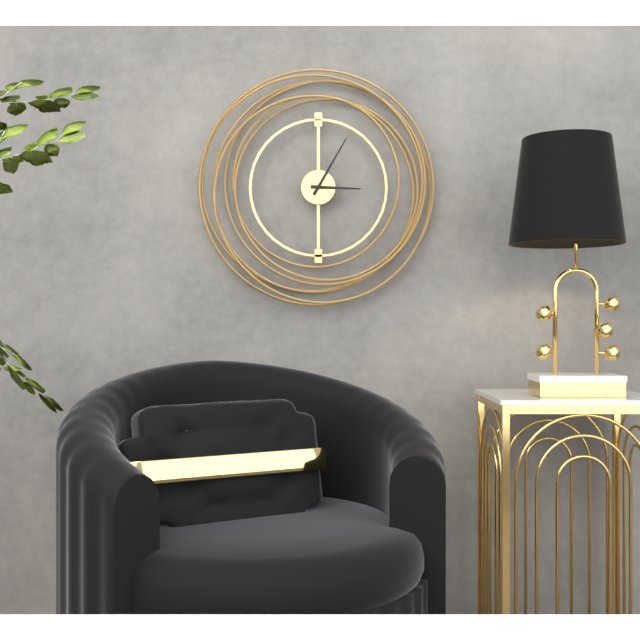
{"hour": 3, "minute": 5}
